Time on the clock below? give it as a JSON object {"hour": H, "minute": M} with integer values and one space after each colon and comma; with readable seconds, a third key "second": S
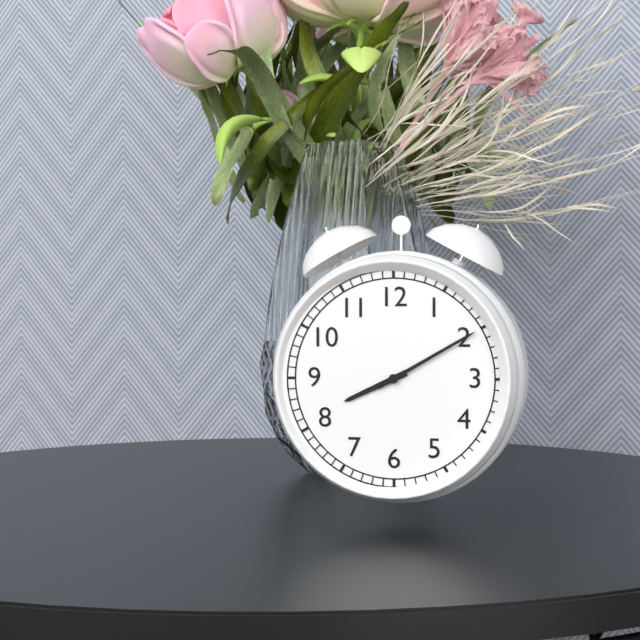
{"hour": 8, "minute": 10}
